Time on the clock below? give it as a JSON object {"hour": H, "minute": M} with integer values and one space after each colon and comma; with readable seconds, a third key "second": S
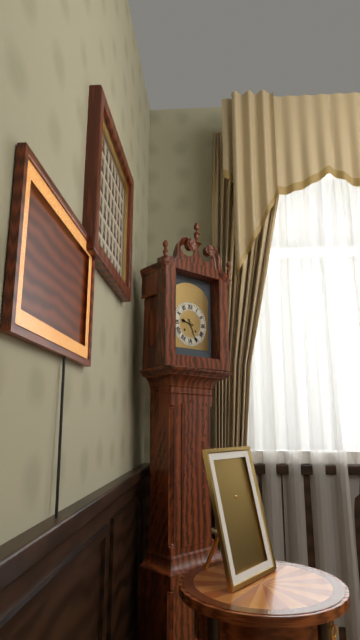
{"hour": 9, "minute": 26}
